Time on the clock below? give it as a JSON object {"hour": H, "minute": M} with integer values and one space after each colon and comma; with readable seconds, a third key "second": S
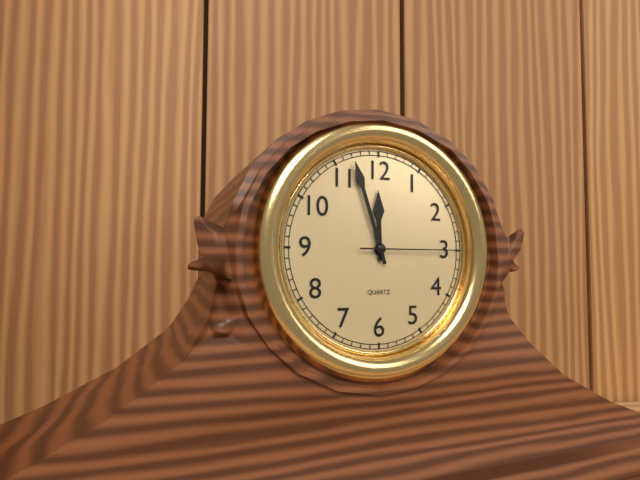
{"hour": 11, "minute": 57, "second": 15}
